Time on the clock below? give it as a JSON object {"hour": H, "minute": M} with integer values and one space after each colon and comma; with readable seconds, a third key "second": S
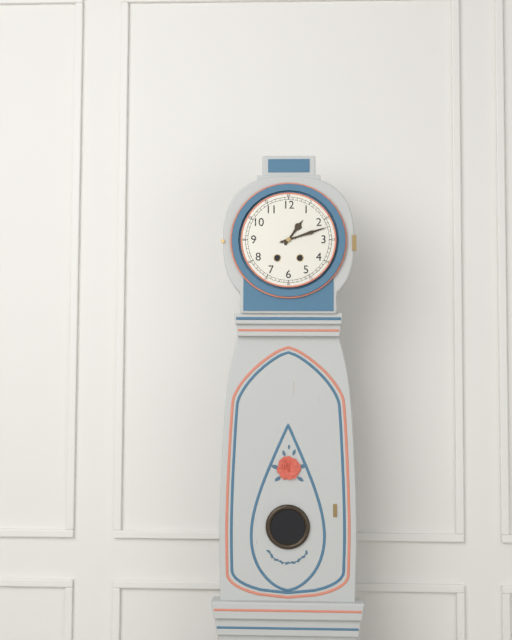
{"hour": 1, "minute": 12}
